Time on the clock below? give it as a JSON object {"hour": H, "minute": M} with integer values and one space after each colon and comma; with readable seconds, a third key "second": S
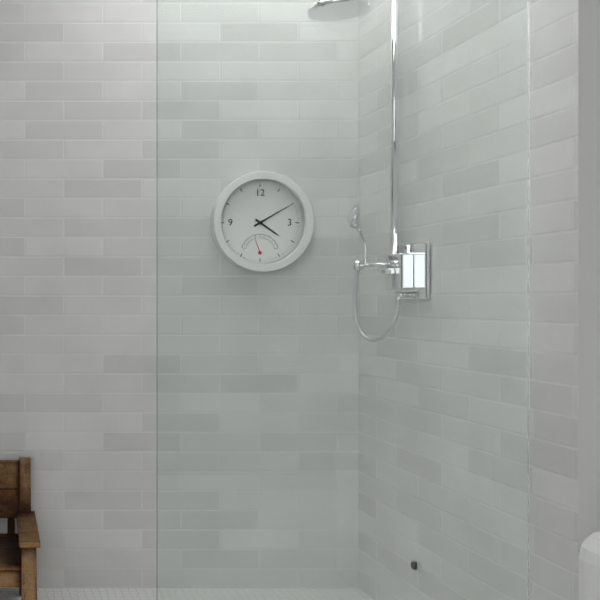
{"hour": 4, "minute": 10}
